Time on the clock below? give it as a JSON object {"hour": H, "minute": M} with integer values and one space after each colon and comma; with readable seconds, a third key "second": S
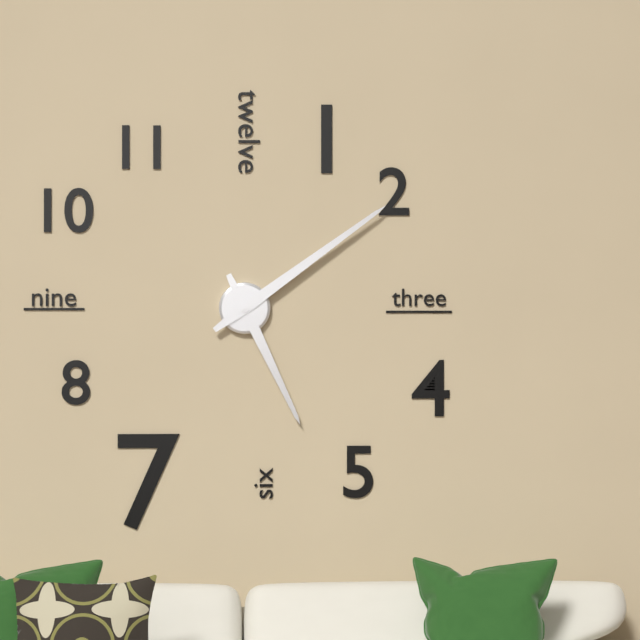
{"hour": 5, "minute": 9}
